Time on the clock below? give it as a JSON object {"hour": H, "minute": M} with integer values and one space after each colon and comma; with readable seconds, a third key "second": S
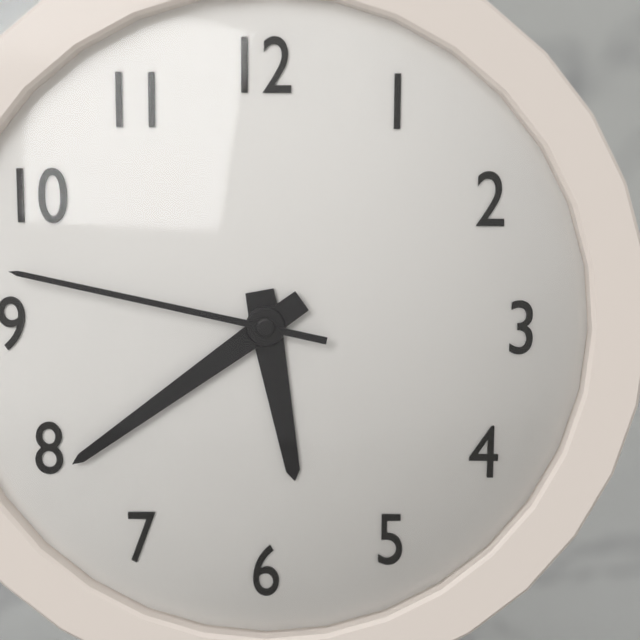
{"hour": 5, "minute": 39, "second": 47}
